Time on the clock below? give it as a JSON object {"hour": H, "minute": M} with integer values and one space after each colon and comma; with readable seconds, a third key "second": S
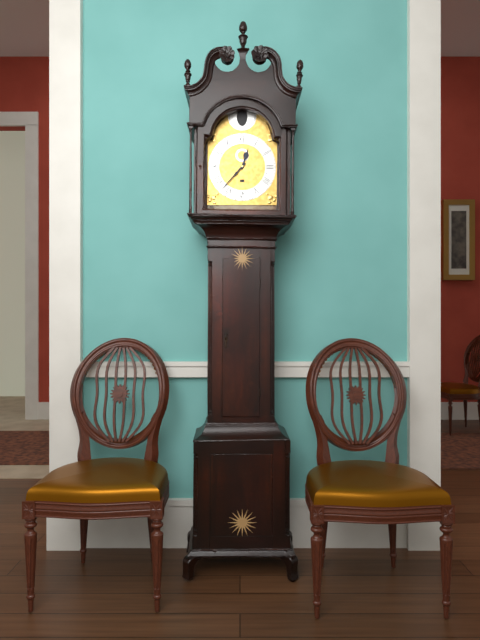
{"hour": 12, "minute": 37}
